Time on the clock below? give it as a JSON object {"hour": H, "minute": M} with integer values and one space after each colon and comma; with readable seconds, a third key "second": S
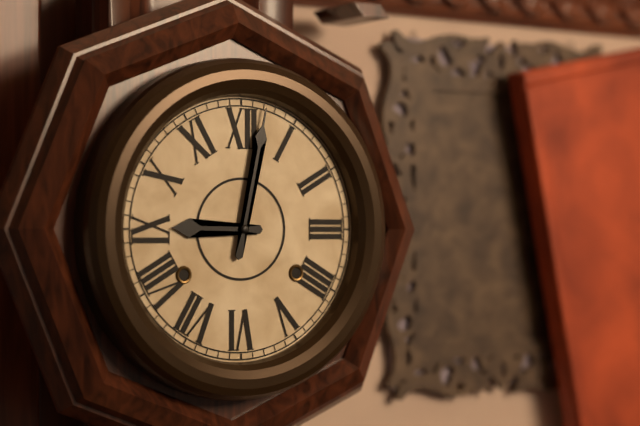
{"hour": 9, "minute": 2}
